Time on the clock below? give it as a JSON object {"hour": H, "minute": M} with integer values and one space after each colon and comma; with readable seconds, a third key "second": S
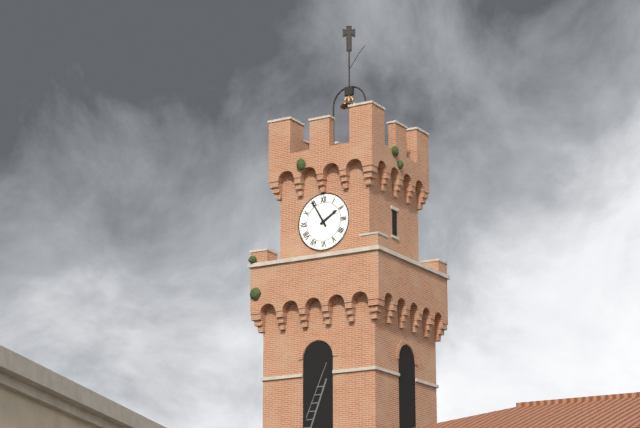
{"hour": 1, "minute": 55}
